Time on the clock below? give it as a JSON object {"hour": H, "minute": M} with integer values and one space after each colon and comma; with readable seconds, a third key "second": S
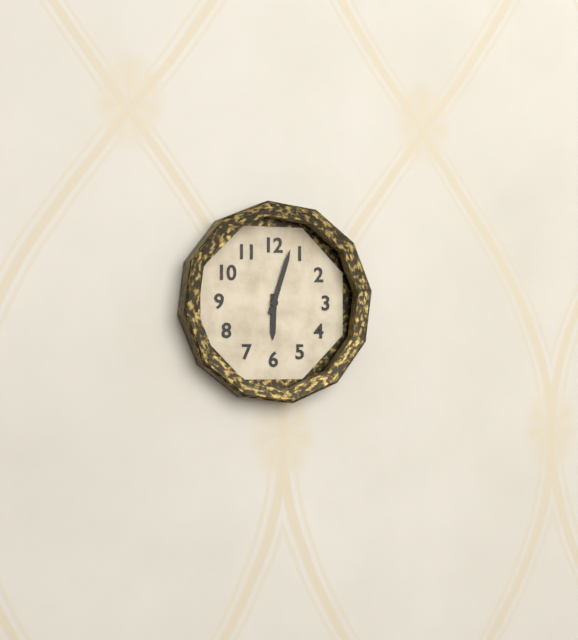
{"hour": 6, "minute": 3}
